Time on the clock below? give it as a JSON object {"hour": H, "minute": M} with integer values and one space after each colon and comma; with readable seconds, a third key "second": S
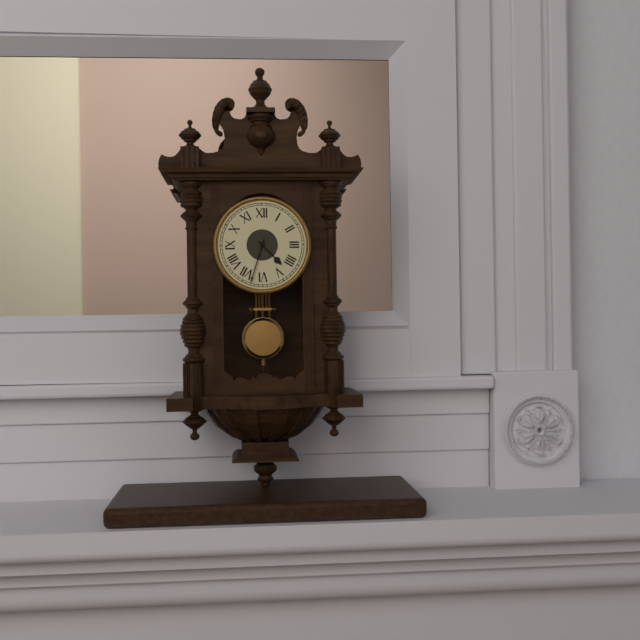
{"hour": 4, "minute": 33}
